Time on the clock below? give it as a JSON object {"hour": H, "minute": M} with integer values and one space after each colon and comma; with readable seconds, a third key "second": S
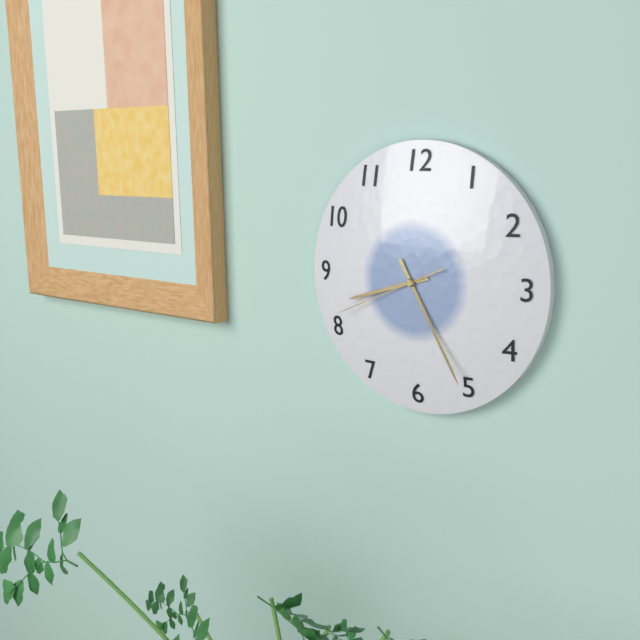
{"hour": 8, "minute": 25, "second": 41}
